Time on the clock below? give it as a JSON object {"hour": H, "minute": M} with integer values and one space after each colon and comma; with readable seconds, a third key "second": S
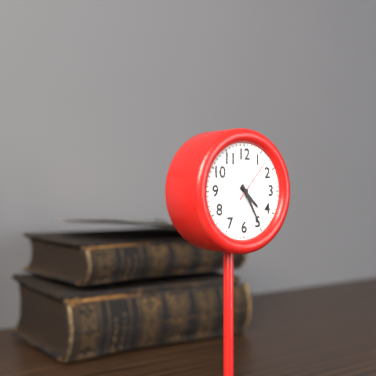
{"hour": 4, "minute": 25, "second": 7}
